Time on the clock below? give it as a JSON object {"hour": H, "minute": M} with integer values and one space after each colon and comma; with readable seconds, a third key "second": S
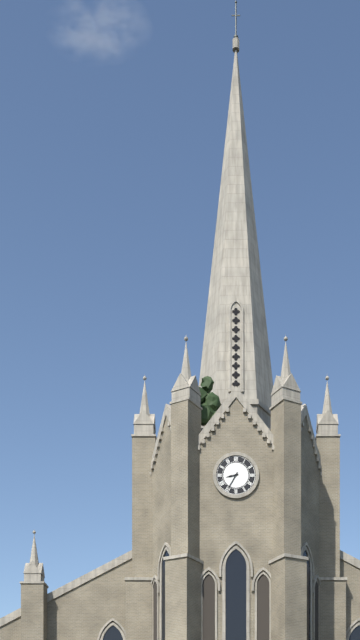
{"hour": 8, "minute": 35}
